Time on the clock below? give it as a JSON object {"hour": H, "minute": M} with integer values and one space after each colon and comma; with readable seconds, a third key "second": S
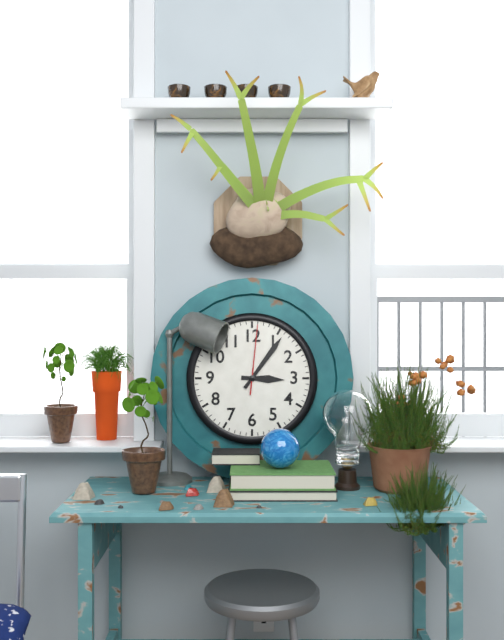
{"hour": 3, "minute": 6, "second": 1}
